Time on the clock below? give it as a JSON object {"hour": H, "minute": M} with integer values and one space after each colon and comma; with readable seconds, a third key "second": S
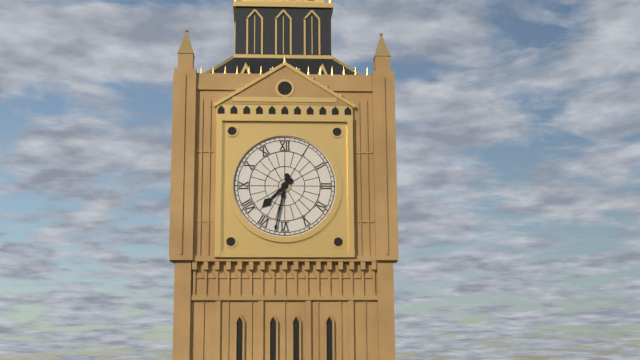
{"hour": 7, "minute": 32}
